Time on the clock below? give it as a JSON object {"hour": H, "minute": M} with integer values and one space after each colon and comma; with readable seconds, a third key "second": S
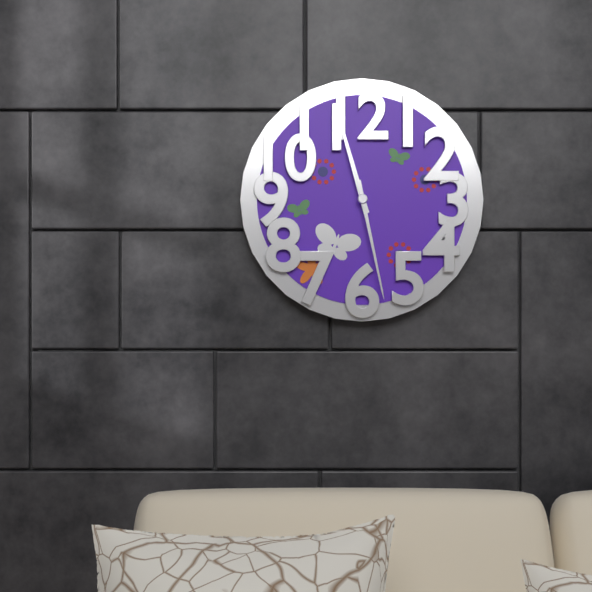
{"hour": 11, "minute": 28}
